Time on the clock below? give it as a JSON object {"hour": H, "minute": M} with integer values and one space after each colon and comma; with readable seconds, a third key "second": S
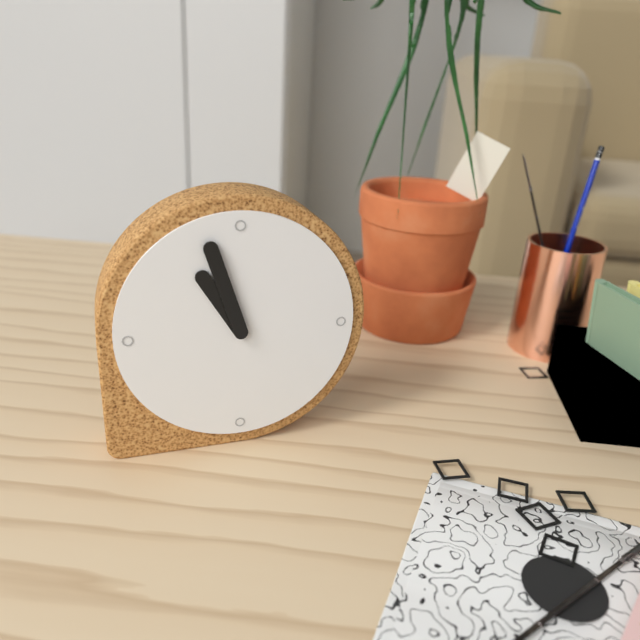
{"hour": 10, "minute": 57}
